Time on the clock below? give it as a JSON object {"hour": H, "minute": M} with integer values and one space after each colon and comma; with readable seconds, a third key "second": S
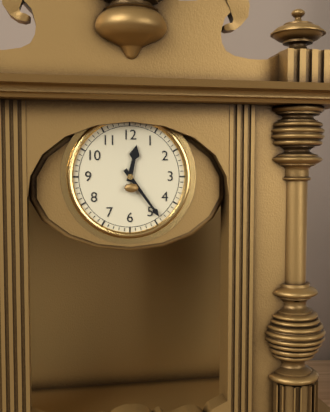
{"hour": 12, "minute": 24}
